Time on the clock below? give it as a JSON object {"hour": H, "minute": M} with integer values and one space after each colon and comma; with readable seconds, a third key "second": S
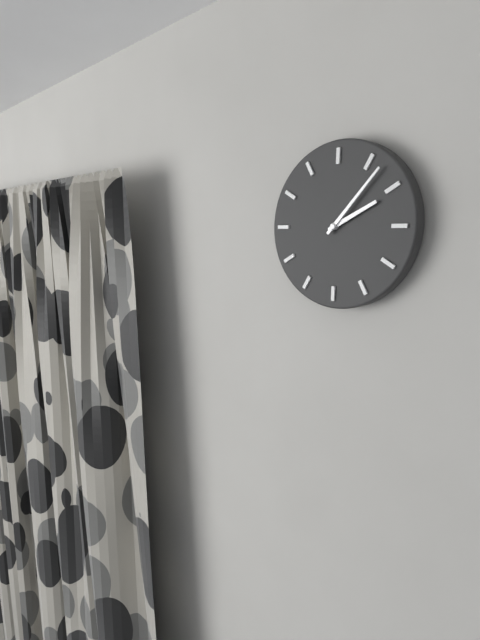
{"hour": 2, "minute": 7}
